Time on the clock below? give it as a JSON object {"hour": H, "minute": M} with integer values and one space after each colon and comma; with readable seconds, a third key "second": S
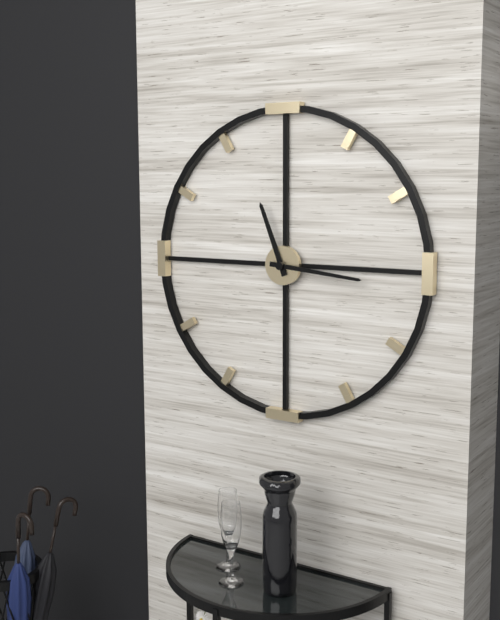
{"hour": 11, "minute": 16}
